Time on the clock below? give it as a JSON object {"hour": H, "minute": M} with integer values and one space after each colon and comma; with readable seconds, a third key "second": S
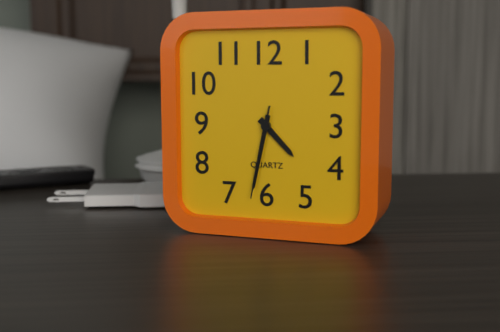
{"hour": 4, "minute": 32, "second": 32}
